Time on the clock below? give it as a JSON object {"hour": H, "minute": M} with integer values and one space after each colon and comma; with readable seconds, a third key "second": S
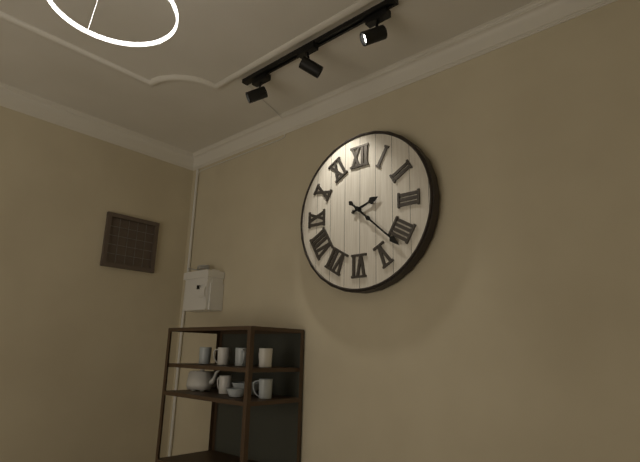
{"hour": 2, "minute": 22}
